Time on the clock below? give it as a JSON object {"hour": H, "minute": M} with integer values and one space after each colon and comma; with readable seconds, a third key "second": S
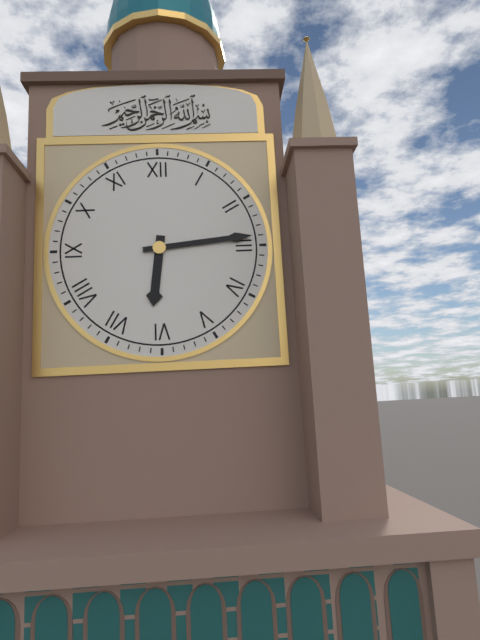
{"hour": 6, "minute": 14}
